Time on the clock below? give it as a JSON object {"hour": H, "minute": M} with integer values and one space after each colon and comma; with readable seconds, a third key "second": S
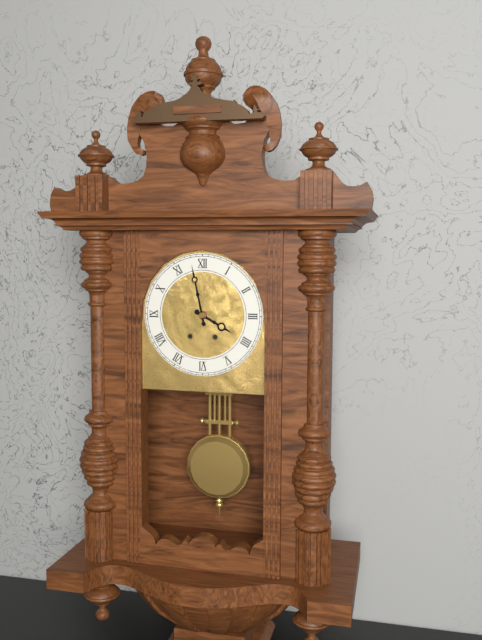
{"hour": 3, "minute": 58}
